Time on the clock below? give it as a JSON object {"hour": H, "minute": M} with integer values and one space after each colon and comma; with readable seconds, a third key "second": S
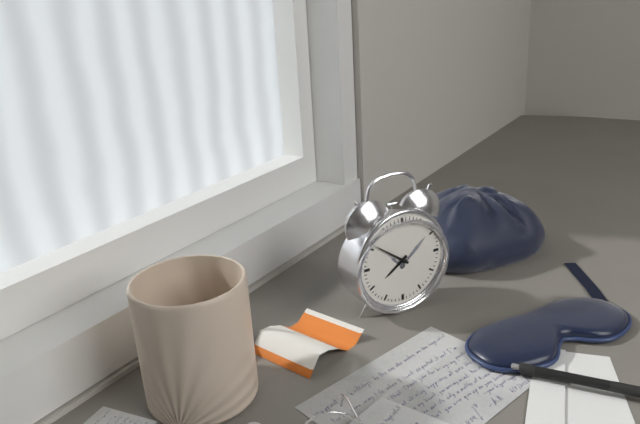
{"hour": 7, "minute": 51}
